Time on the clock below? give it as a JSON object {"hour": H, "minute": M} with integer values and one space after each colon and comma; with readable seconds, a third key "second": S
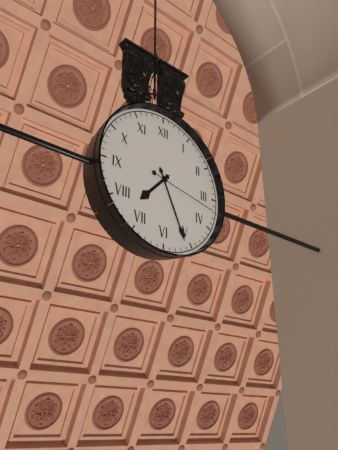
{"hour": 7, "minute": 26, "second": 17}
